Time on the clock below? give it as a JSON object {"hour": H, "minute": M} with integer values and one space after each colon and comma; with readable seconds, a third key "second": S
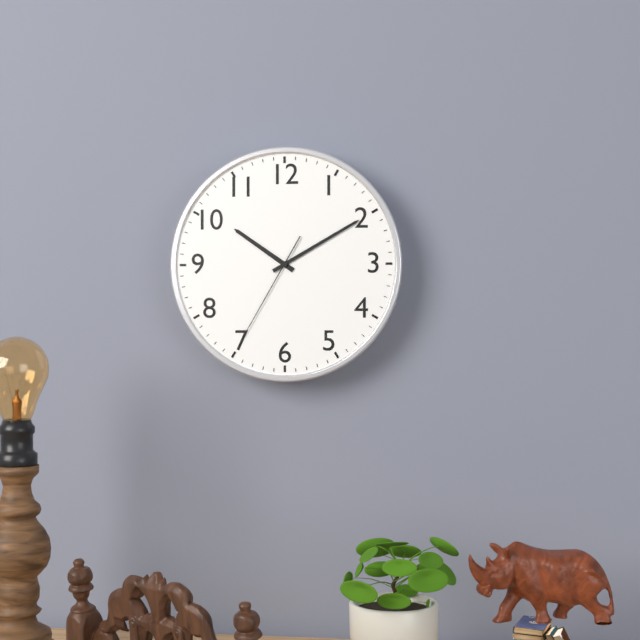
{"hour": 10, "minute": 10, "second": 35}
